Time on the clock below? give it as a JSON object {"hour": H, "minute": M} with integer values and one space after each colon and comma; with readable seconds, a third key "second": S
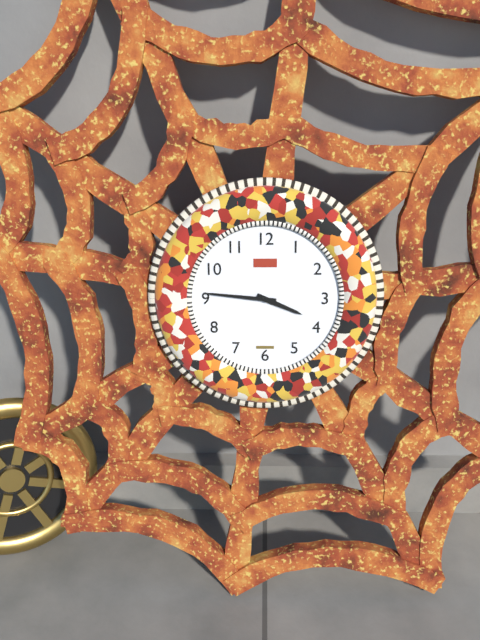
{"hour": 3, "minute": 46}
